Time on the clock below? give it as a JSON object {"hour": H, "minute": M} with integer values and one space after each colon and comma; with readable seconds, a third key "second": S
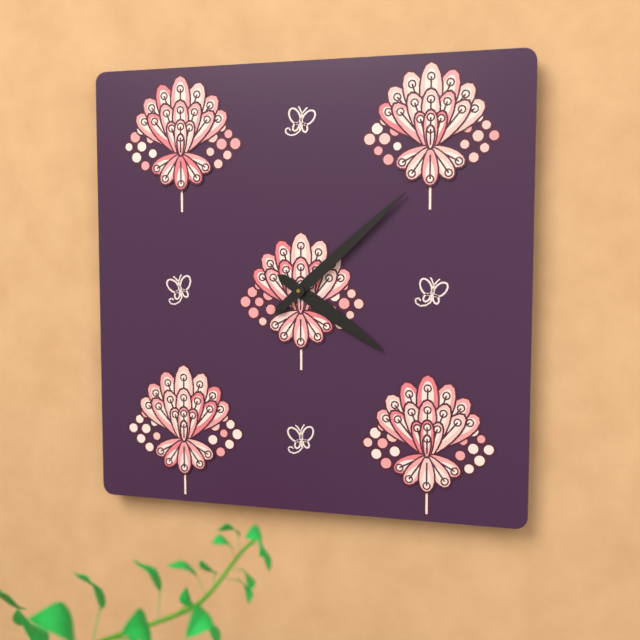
{"hour": 4, "minute": 8}
